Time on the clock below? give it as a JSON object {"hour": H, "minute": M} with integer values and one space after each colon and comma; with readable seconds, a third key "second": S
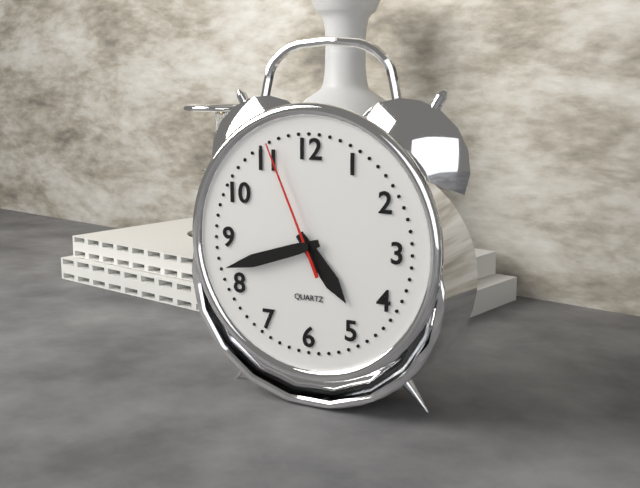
{"hour": 4, "minute": 42, "second": 56}
